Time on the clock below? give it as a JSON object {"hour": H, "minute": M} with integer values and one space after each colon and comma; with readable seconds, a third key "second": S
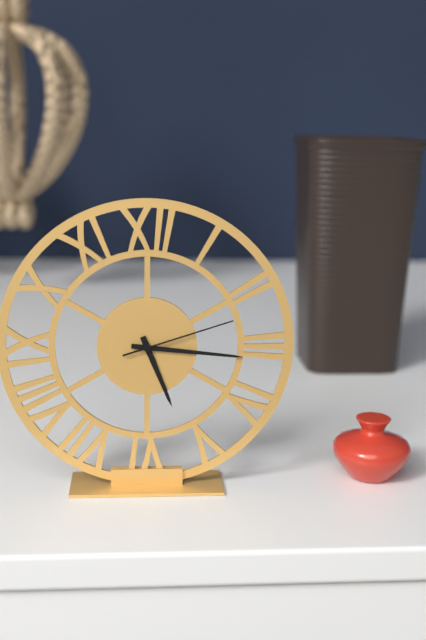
{"hour": 5, "minute": 16, "second": 12}
